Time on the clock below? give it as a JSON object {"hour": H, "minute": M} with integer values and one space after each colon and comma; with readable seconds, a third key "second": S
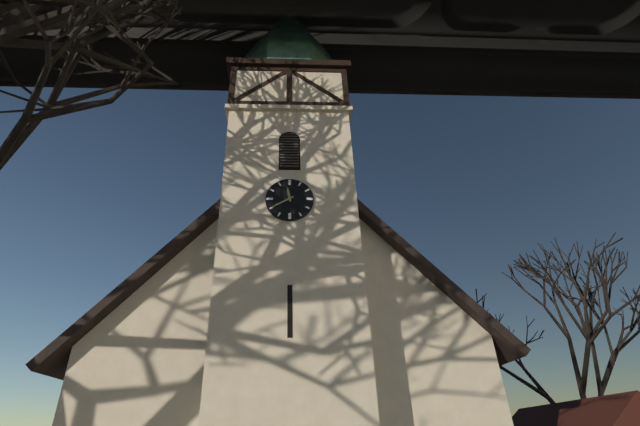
{"hour": 11, "minute": 40}
